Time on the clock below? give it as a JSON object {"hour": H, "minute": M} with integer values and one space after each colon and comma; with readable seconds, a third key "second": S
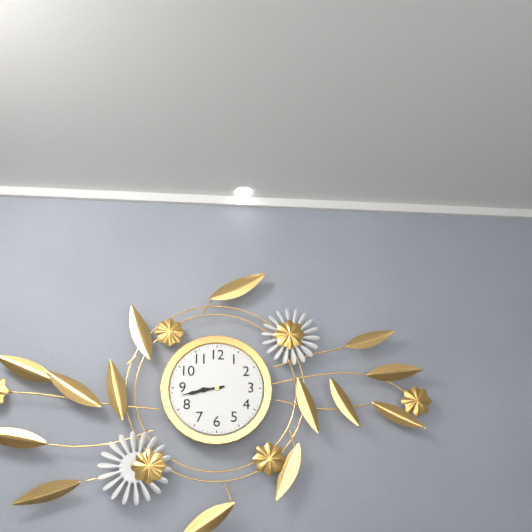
{"hour": 8, "minute": 43}
